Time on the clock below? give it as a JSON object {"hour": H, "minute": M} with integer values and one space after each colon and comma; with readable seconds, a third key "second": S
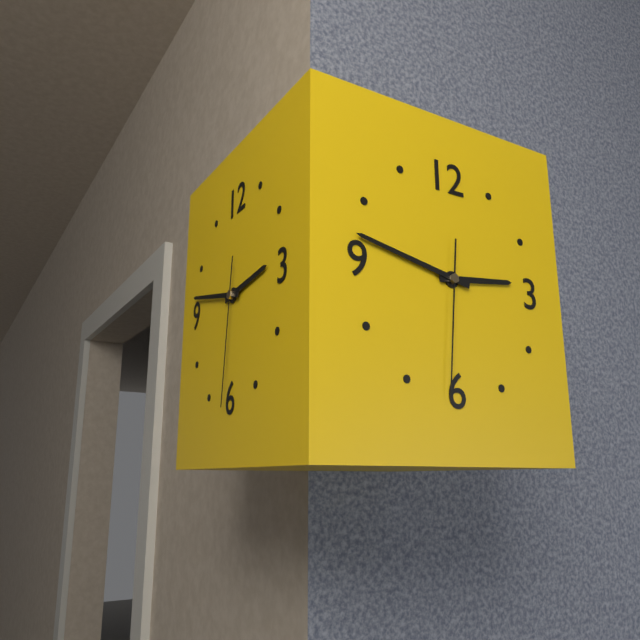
{"hour": 2, "minute": 47, "second": 31}
